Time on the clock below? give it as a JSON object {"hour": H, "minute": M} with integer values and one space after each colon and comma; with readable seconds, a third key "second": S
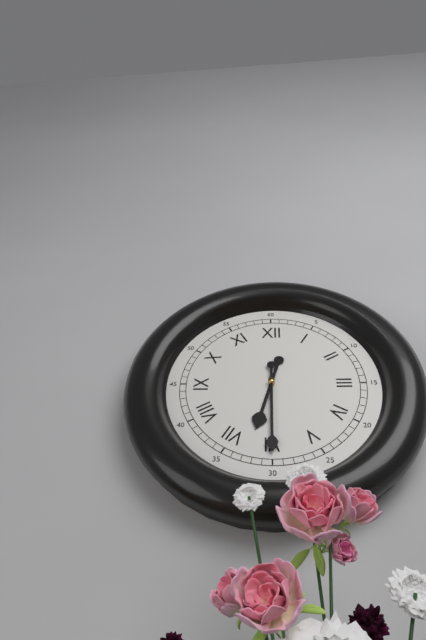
{"hour": 6, "minute": 30}
